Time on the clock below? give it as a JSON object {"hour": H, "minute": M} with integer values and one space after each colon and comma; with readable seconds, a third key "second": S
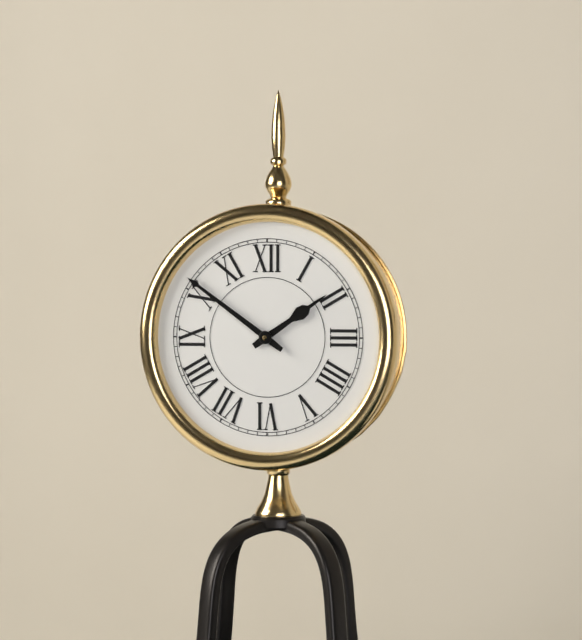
{"hour": 1, "minute": 51}
